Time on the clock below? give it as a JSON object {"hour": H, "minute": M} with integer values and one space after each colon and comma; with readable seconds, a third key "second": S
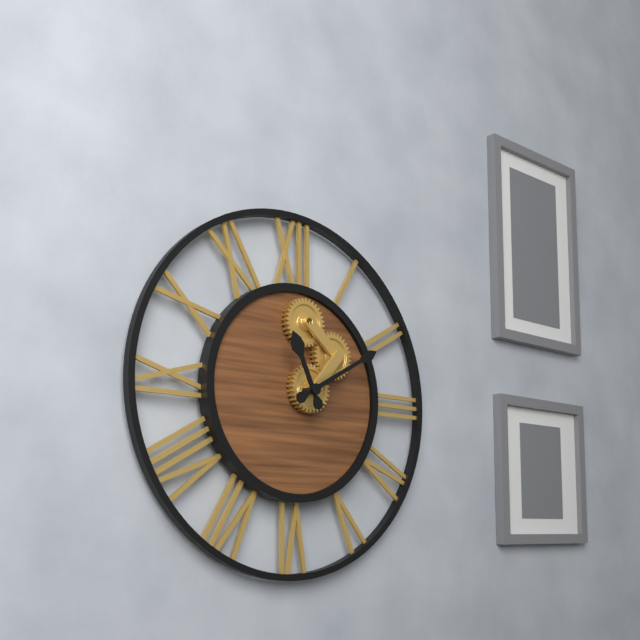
{"hour": 11, "minute": 10}
